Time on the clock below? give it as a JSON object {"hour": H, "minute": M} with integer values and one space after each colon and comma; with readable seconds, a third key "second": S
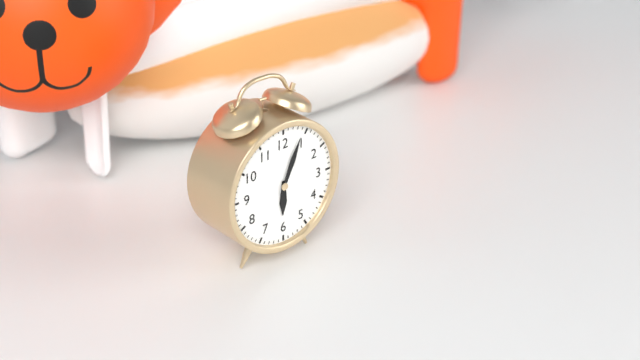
{"hour": 6, "minute": 4}
